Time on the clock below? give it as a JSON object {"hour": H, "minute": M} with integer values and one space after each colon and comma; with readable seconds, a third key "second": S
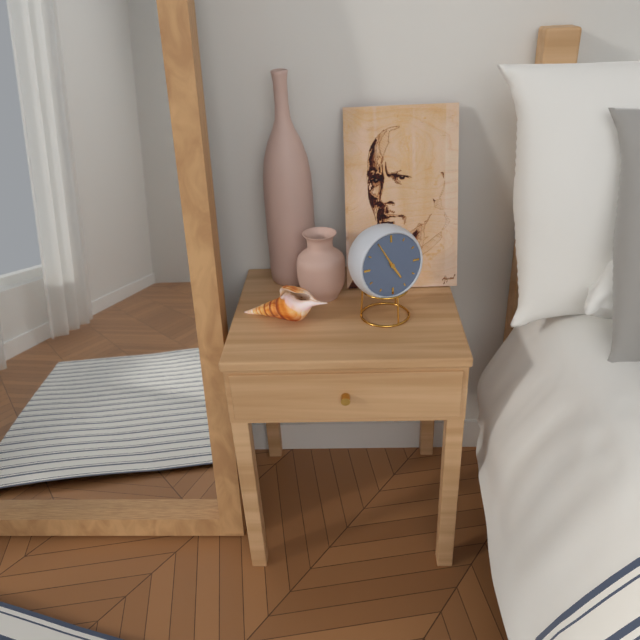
{"hour": 4, "minute": 55}
